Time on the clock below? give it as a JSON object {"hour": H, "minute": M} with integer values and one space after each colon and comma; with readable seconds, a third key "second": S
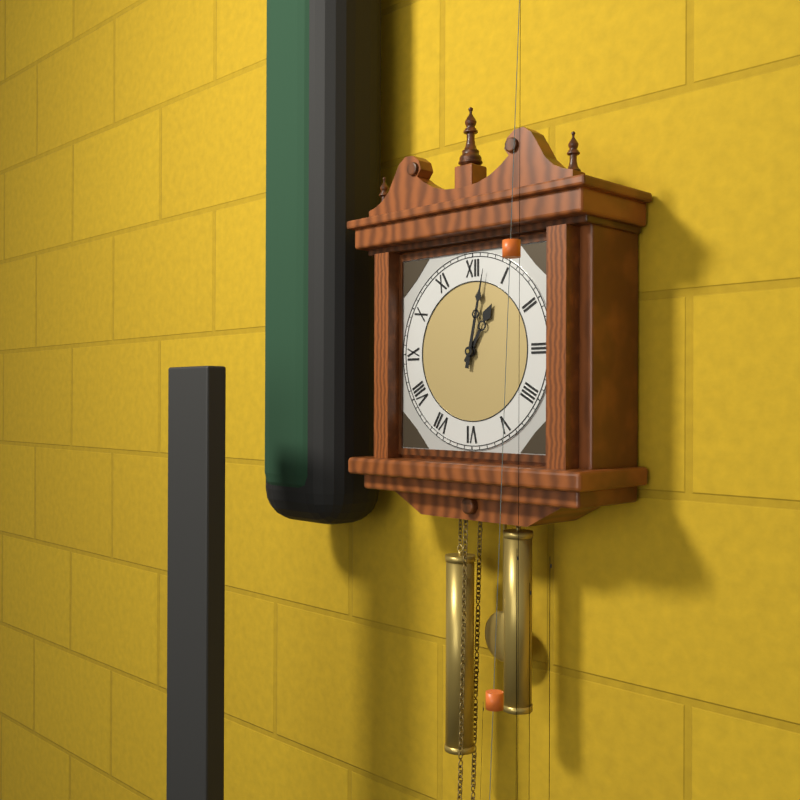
{"hour": 1, "minute": 2}
